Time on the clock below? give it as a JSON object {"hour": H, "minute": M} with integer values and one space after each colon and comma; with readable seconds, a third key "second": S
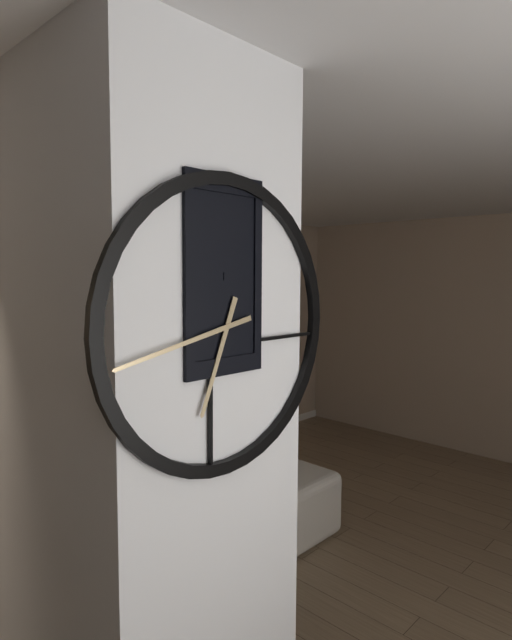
{"hour": 6, "minute": 43}
